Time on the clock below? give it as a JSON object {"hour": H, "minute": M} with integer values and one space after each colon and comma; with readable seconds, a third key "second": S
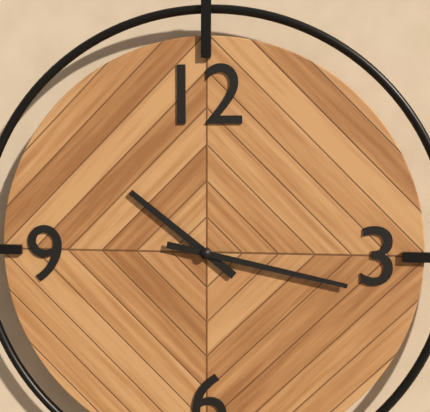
{"hour": 10, "minute": 17}
